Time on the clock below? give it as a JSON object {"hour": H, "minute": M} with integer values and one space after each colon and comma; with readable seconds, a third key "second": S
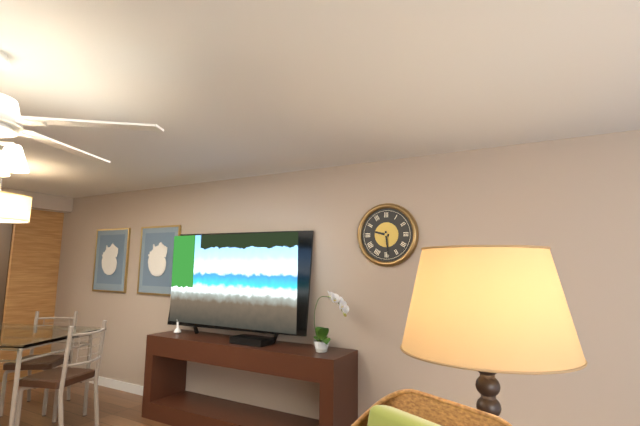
{"hour": 9, "minute": 29}
